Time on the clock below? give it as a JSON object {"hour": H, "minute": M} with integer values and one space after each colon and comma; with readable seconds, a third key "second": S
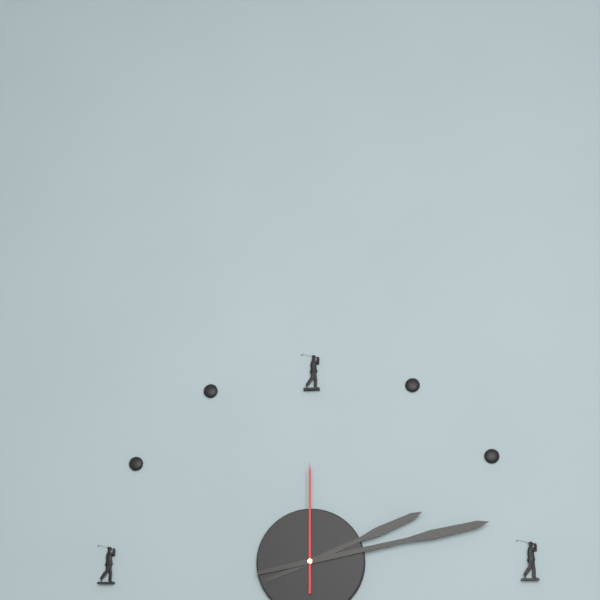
{"hour": 2, "minute": 13, "second": 0}
